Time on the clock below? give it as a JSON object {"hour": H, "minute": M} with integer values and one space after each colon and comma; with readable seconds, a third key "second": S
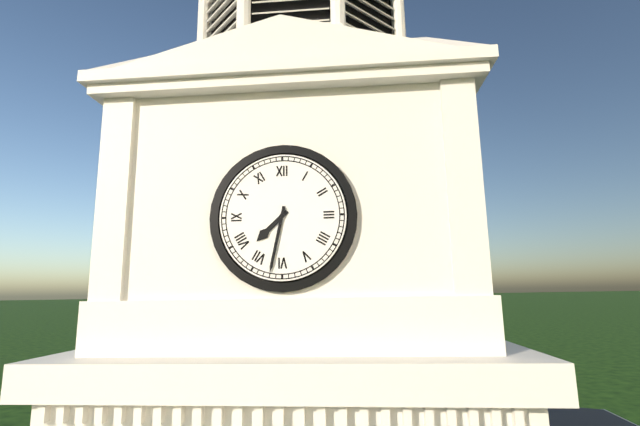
{"hour": 7, "minute": 32}
